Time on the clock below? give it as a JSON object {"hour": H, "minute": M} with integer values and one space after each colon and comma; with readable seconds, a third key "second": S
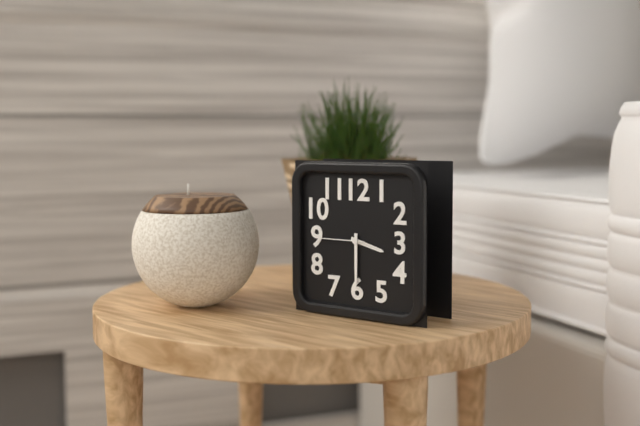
{"hour": 3, "minute": 30, "second": 45}
